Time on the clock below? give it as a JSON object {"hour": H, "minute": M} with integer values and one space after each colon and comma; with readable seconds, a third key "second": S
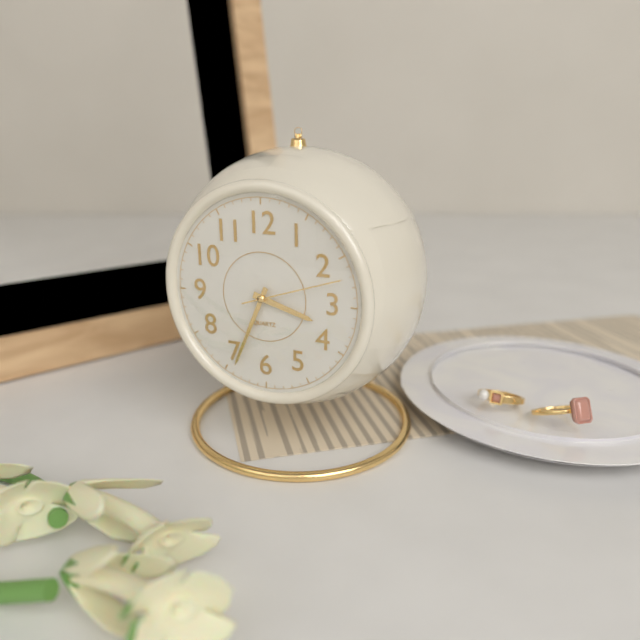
{"hour": 3, "minute": 34, "second": 12}
